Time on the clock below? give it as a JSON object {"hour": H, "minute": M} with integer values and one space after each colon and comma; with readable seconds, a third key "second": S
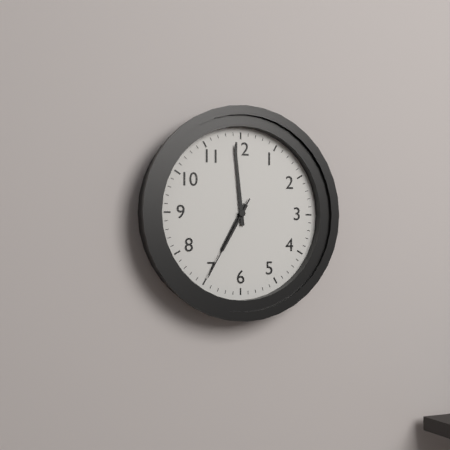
{"hour": 6, "minute": 59, "second": 35}
